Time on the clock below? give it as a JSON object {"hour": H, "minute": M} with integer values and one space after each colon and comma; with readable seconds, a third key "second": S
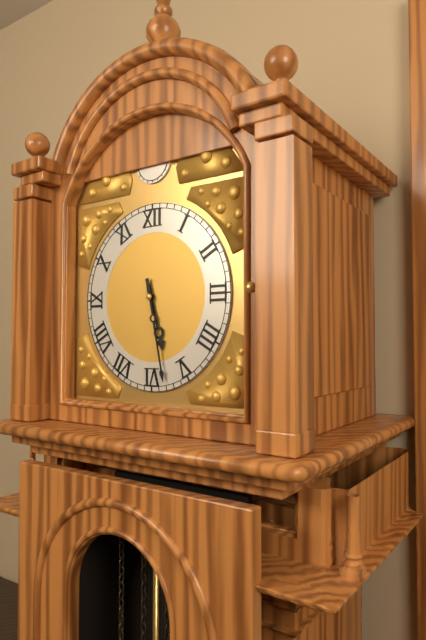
{"hour": 5, "minute": 28}
